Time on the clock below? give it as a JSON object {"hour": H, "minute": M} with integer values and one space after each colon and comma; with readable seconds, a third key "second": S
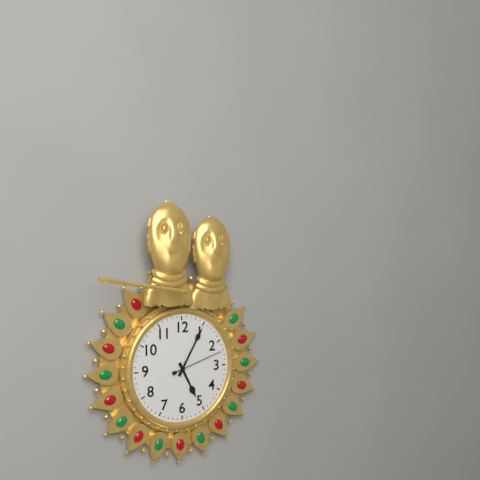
{"hour": 5, "minute": 5, "second": 12}
